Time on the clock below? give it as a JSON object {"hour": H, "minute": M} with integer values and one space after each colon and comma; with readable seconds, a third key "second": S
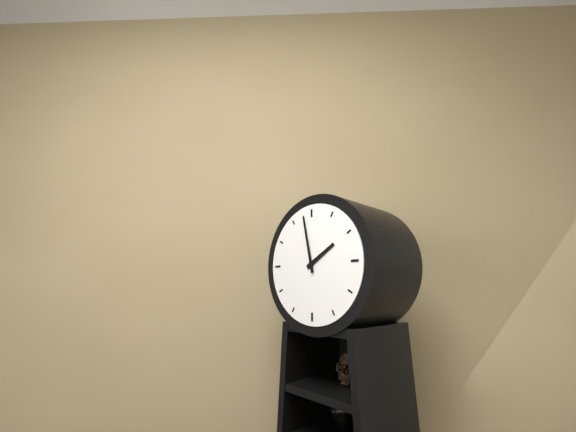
{"hour": 1, "minute": 58}
